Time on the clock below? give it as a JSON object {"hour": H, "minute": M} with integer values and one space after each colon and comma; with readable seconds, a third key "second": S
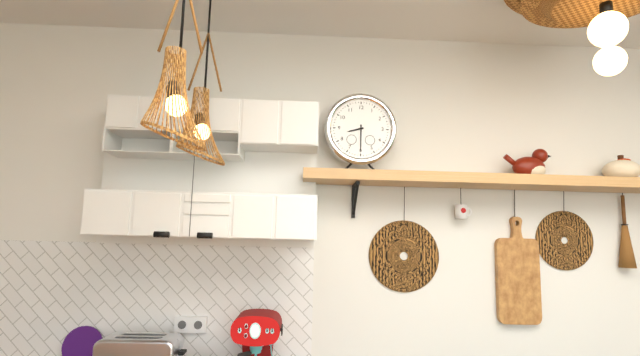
{"hour": 8, "minute": 30}
